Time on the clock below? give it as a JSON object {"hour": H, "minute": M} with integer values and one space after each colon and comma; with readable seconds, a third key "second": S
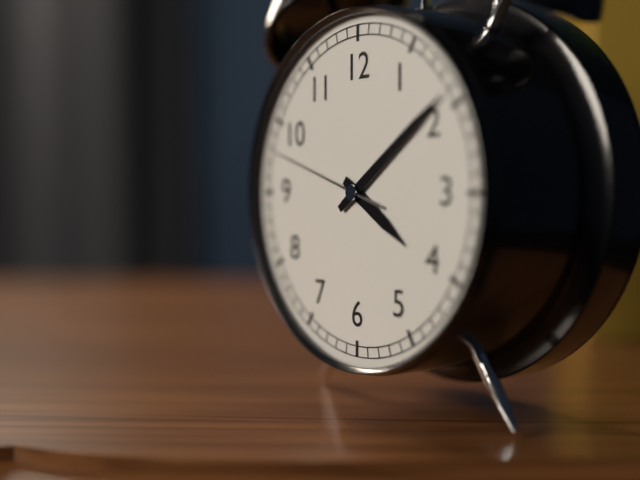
{"hour": 4, "minute": 9, "second": 48}
